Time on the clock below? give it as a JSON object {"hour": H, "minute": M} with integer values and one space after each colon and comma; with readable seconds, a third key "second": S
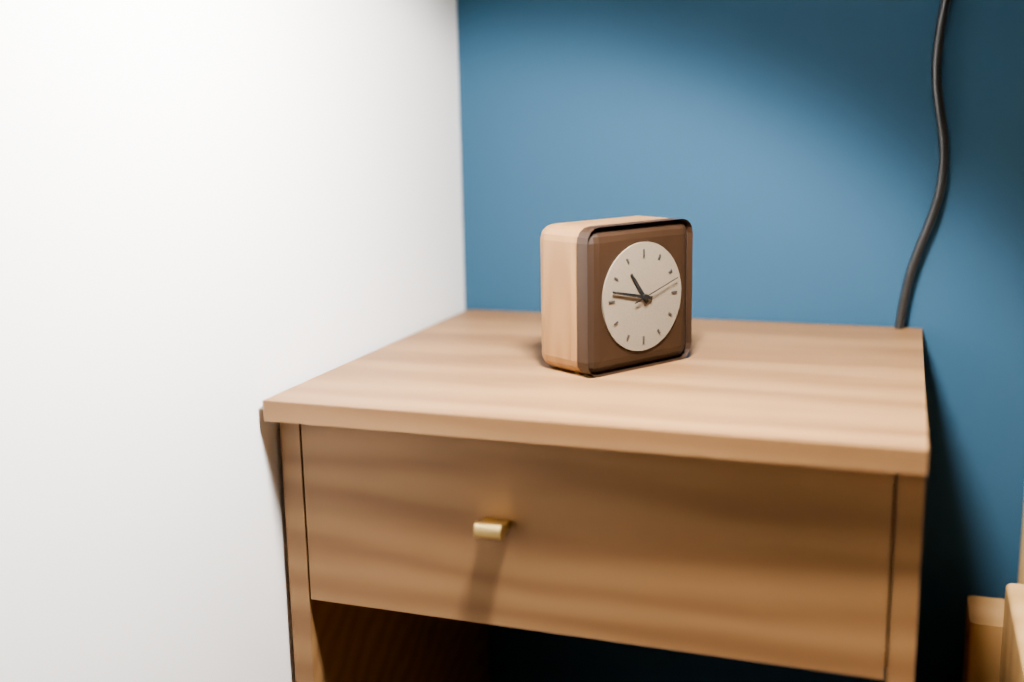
{"hour": 10, "minute": 47}
